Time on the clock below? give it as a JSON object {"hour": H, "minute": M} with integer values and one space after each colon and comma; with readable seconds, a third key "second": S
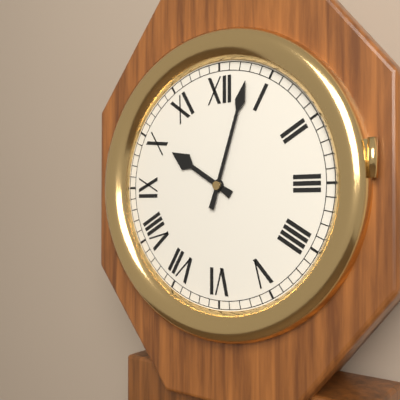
{"hour": 10, "minute": 3}
